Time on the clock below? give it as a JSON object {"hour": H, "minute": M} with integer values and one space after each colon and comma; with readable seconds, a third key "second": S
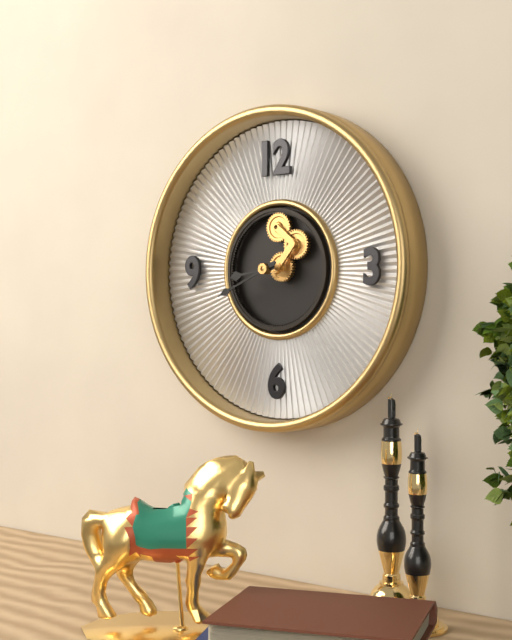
{"hour": 8, "minute": 41}
